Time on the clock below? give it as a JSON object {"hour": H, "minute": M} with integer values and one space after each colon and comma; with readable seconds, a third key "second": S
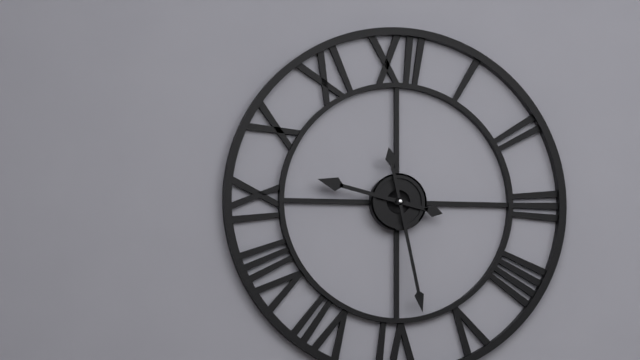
{"hour": 9, "minute": 28}
